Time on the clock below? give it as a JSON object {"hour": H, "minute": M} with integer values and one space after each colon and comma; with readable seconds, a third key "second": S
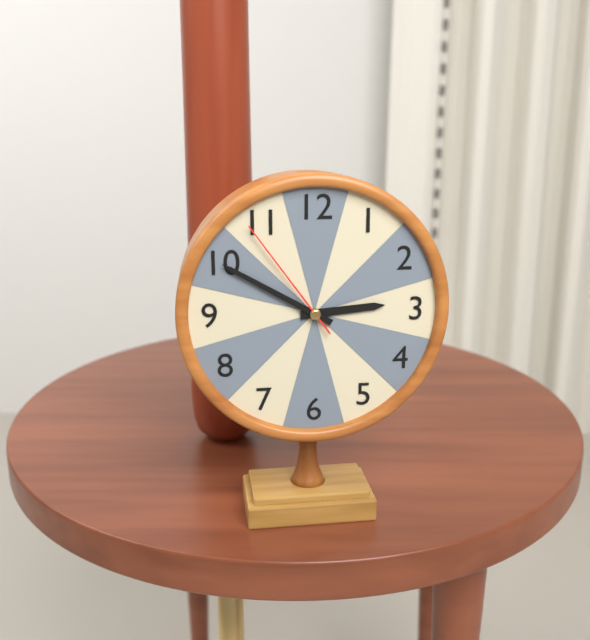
{"hour": 2, "minute": 50, "second": 54}
